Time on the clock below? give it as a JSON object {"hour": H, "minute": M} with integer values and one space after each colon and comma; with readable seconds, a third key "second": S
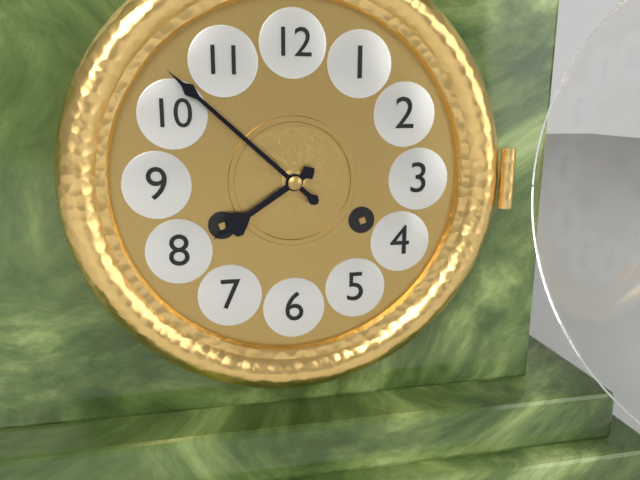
{"hour": 7, "minute": 52}
